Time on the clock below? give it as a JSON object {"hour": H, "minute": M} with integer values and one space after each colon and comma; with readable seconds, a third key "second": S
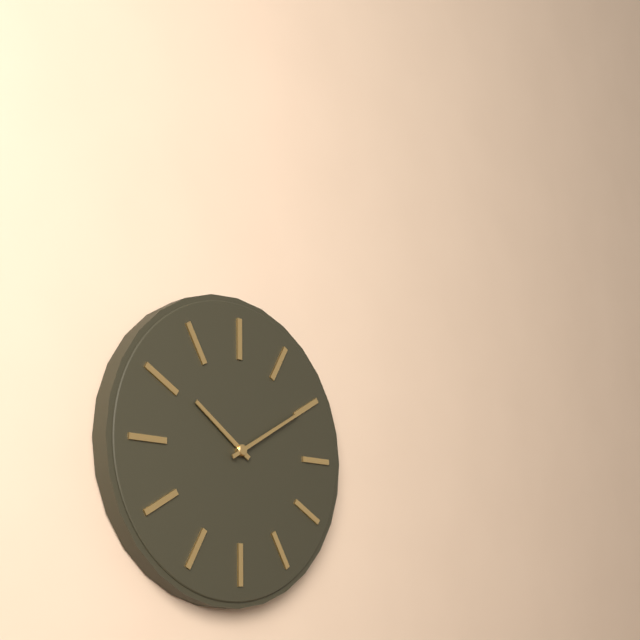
{"hour": 10, "minute": 10}
